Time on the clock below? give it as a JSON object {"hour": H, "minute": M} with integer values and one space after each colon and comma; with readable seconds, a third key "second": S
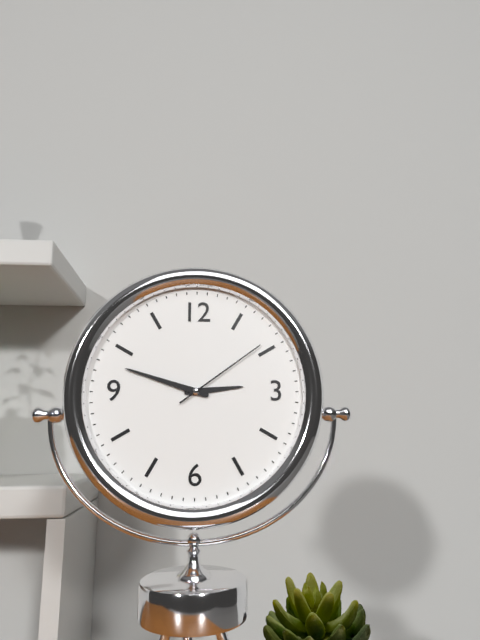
{"hour": 2, "minute": 48, "second": 9}
